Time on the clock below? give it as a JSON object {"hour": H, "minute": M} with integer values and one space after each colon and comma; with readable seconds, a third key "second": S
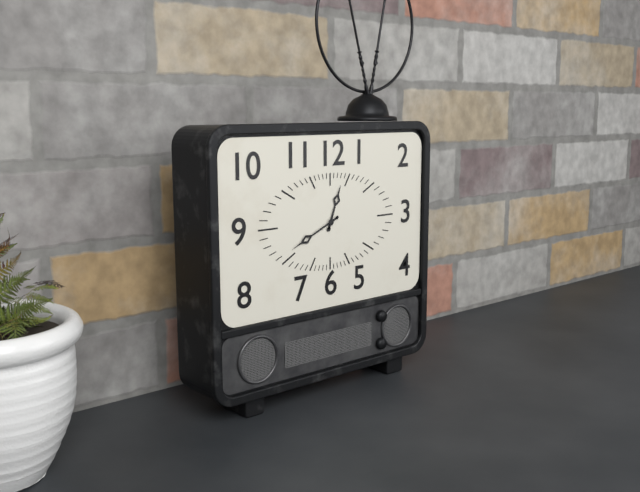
{"hour": 12, "minute": 41}
